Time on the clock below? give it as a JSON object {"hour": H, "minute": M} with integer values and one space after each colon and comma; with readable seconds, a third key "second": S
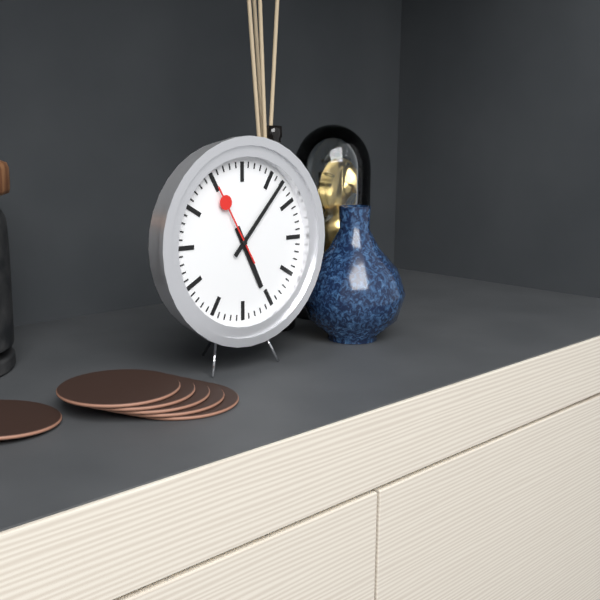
{"hour": 5, "minute": 7, "second": 55}
